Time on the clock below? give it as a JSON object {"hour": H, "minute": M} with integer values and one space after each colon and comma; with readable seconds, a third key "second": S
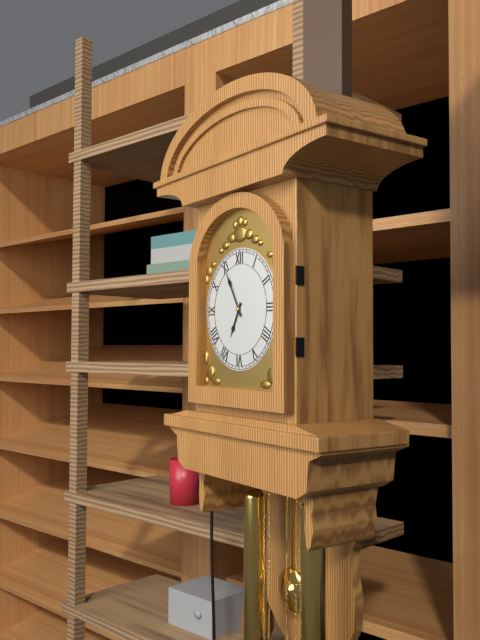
{"hour": 6, "minute": 55}
